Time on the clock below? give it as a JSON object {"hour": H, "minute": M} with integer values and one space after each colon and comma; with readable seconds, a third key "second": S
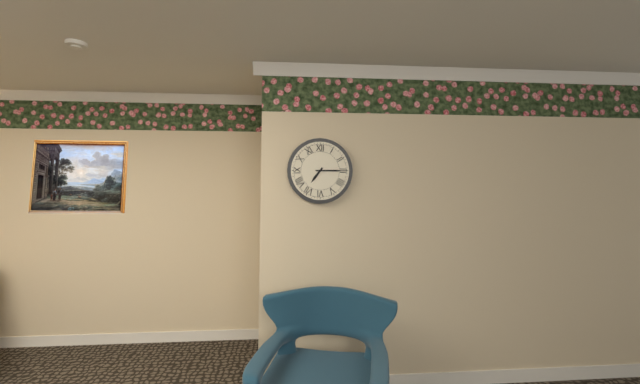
{"hour": 7, "minute": 15}
